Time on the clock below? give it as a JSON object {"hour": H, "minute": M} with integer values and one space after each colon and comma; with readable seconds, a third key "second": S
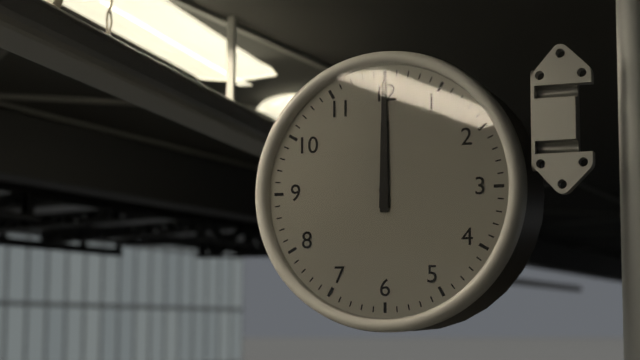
{"hour": 12, "minute": 0}
